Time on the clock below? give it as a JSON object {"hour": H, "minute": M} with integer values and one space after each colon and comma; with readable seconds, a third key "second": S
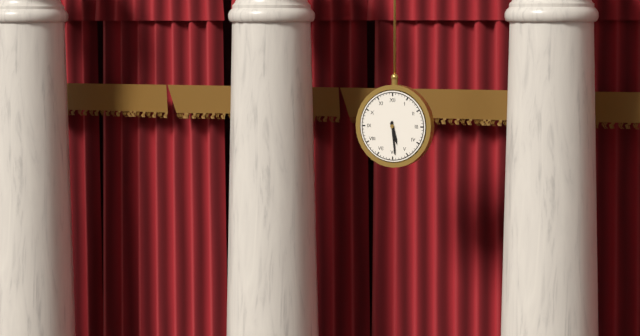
{"hour": 5, "minute": 29}
